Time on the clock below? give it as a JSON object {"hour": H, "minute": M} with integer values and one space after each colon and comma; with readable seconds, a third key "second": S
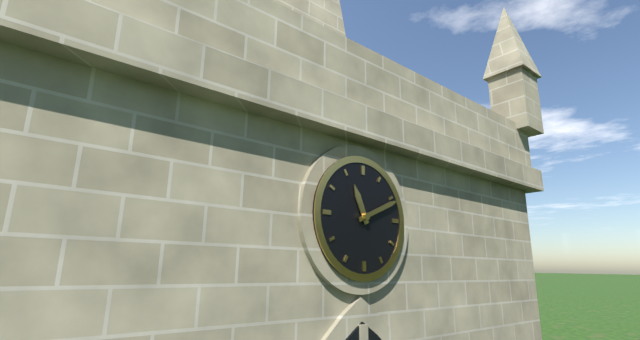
{"hour": 11, "minute": 11}
